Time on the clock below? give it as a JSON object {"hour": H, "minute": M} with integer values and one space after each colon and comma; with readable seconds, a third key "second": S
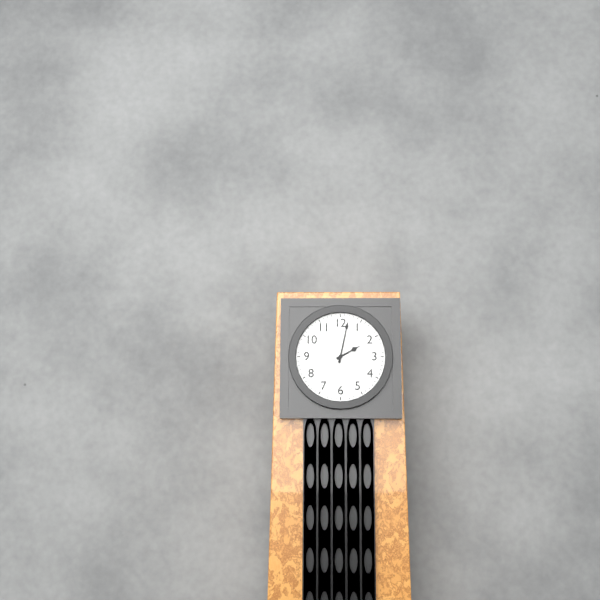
{"hour": 2, "minute": 2}
